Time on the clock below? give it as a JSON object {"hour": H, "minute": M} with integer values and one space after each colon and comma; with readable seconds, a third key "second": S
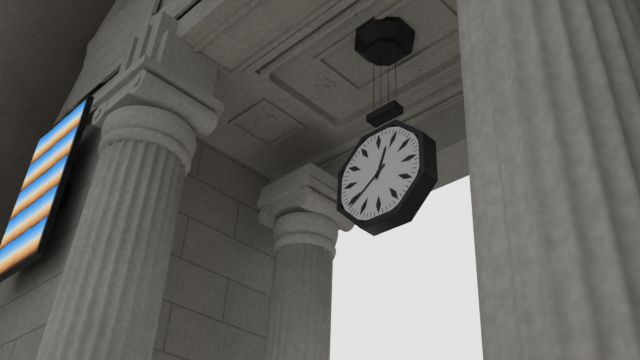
{"hour": 12, "minute": 39}
